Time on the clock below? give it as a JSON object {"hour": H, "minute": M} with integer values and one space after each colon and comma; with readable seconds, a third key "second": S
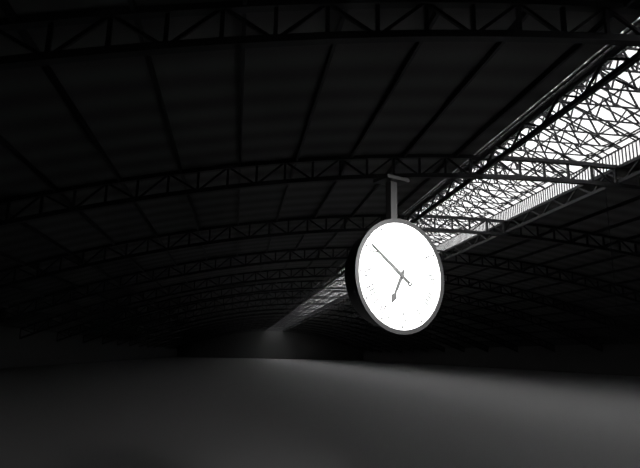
{"hour": 6, "minute": 51}
